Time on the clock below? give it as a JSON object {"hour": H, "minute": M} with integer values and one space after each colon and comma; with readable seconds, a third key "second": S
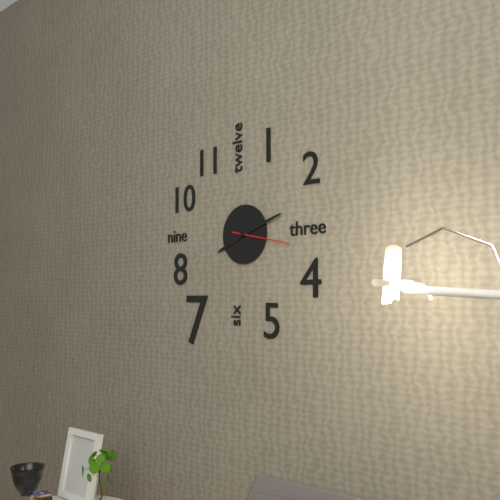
{"hour": 8, "minute": 12, "second": 17}
